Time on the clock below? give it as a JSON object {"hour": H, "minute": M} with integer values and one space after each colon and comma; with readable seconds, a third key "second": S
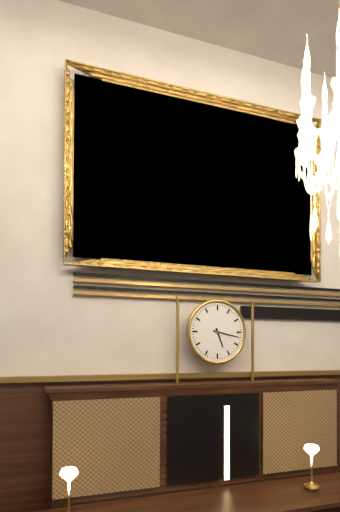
{"hour": 5, "minute": 17}
